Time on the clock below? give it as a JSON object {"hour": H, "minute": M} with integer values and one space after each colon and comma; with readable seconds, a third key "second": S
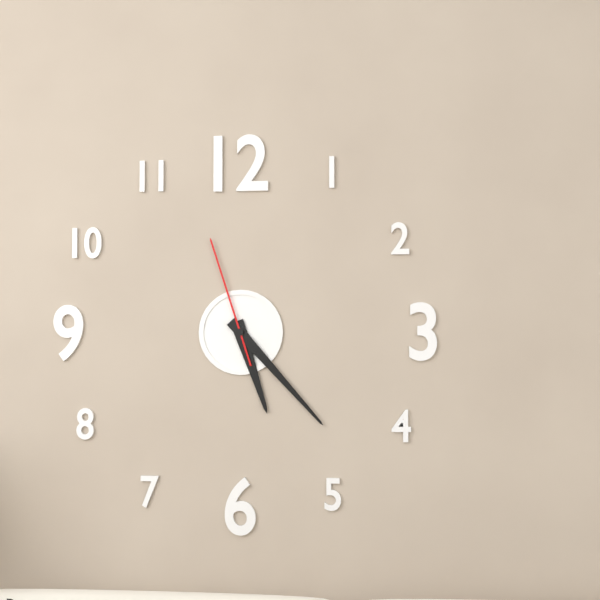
{"hour": 5, "minute": 23, "second": 57}
